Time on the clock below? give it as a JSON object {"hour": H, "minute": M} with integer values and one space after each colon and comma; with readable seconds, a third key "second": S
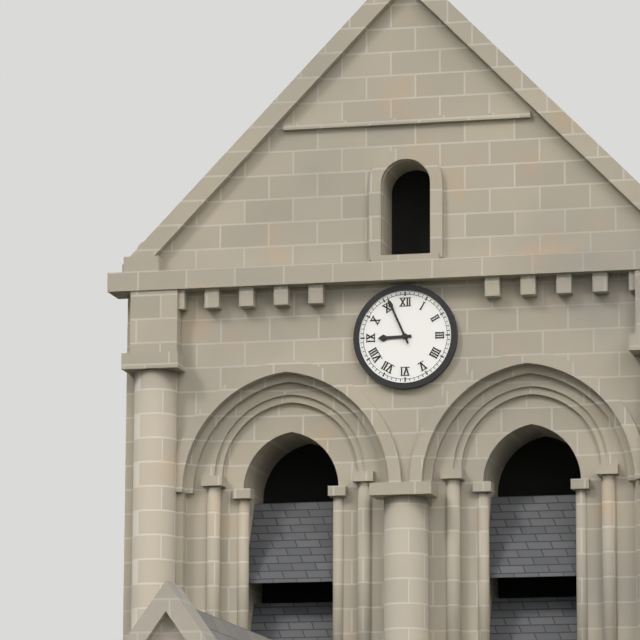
{"hour": 8, "minute": 56}
